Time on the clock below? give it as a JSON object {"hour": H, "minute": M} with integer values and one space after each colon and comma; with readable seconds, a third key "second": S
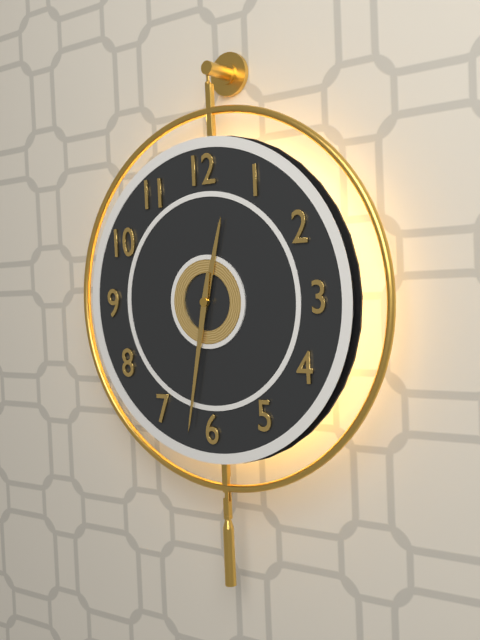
{"hour": 12, "minute": 32}
